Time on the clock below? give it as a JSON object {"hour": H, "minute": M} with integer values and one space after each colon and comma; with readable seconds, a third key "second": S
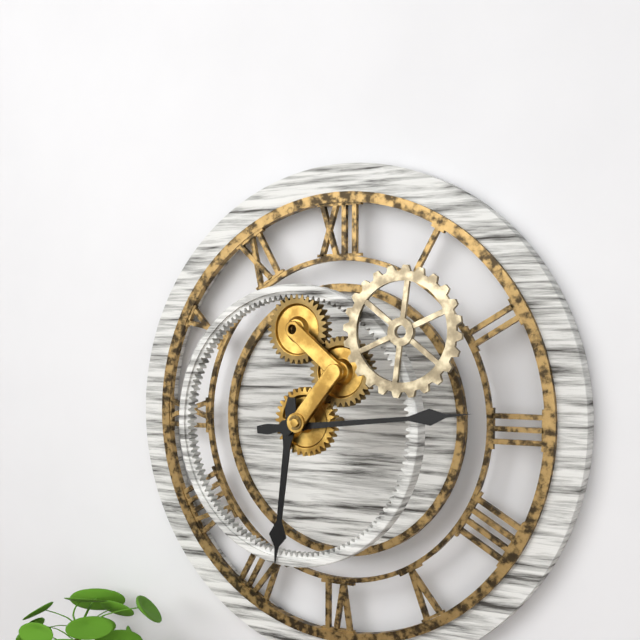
{"hour": 6, "minute": 14}
